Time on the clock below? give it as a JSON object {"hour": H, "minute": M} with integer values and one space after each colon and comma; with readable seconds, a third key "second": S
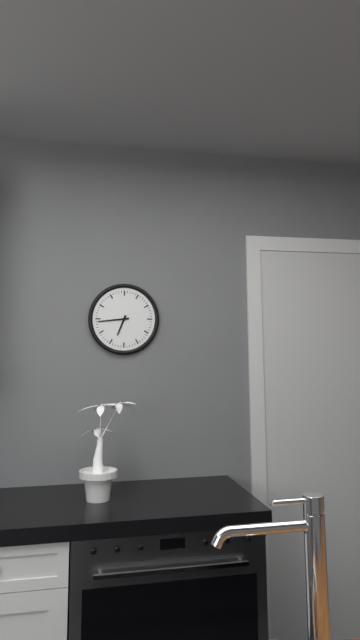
{"hour": 6, "minute": 44}
